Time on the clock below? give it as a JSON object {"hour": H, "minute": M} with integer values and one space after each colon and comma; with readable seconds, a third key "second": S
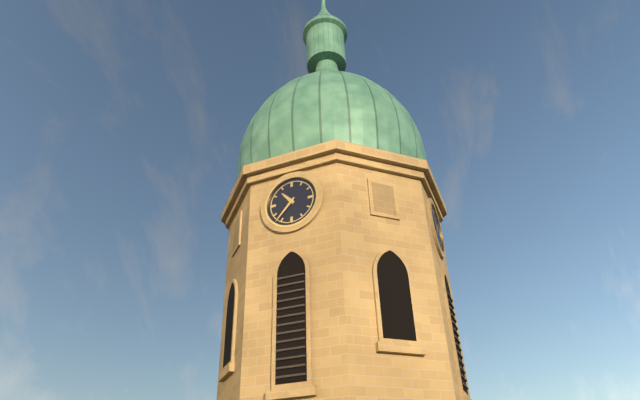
{"hour": 10, "minute": 37}
